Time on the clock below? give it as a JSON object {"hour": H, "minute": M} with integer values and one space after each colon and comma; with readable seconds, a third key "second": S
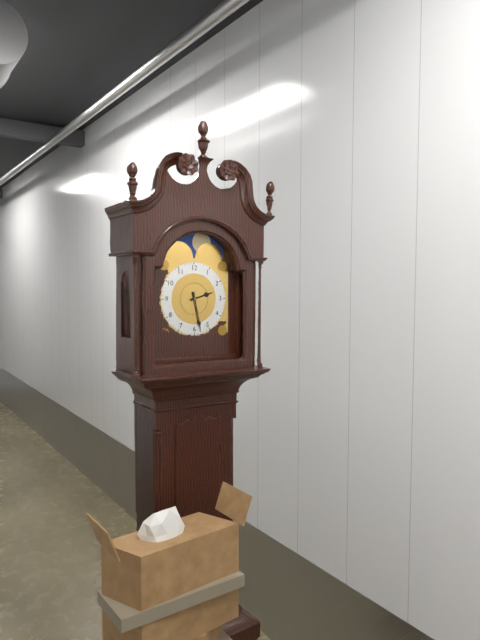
{"hour": 2, "minute": 28}
